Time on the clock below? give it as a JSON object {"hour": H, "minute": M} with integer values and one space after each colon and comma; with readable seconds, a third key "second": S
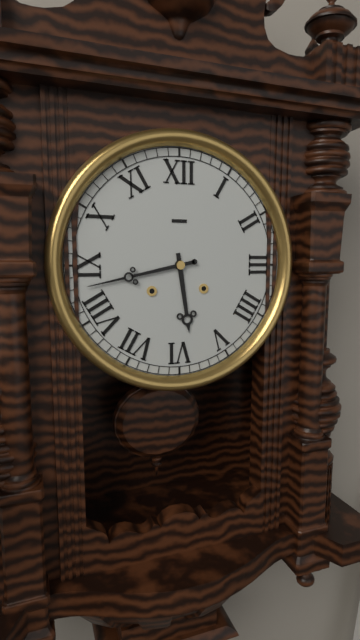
{"hour": 5, "minute": 43}
